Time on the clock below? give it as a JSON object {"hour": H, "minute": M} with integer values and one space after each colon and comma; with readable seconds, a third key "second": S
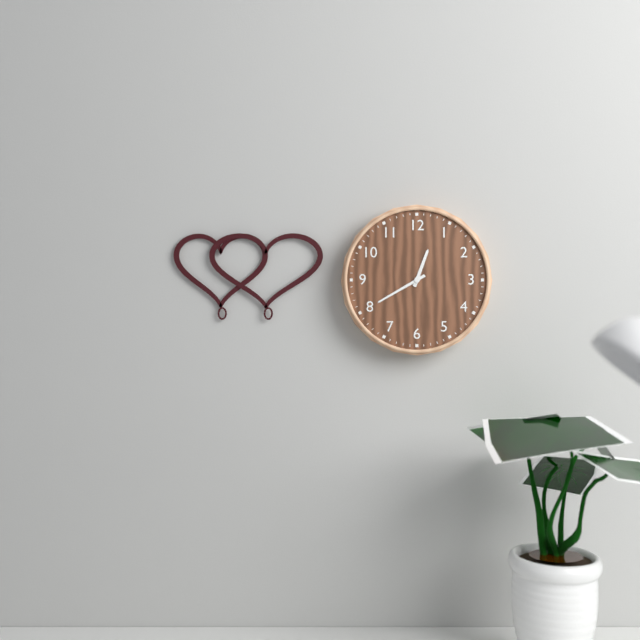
{"hour": 12, "minute": 40}
